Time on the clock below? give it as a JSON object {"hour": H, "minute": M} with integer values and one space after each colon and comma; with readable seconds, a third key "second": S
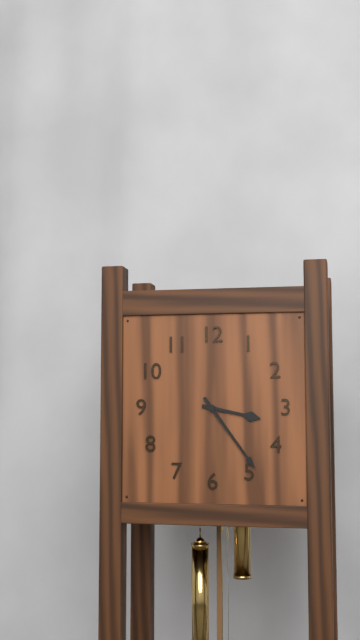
{"hour": 3, "minute": 24}
